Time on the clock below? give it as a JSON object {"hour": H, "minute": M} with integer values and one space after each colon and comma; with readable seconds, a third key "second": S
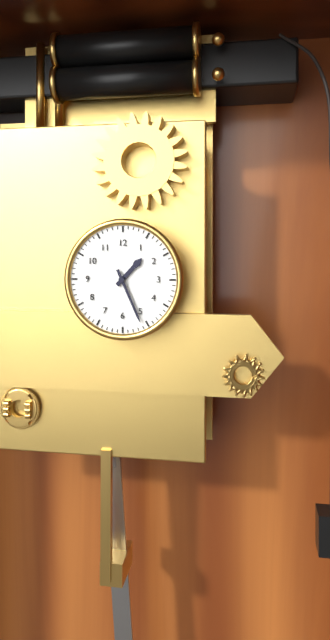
{"hour": 1, "minute": 26}
